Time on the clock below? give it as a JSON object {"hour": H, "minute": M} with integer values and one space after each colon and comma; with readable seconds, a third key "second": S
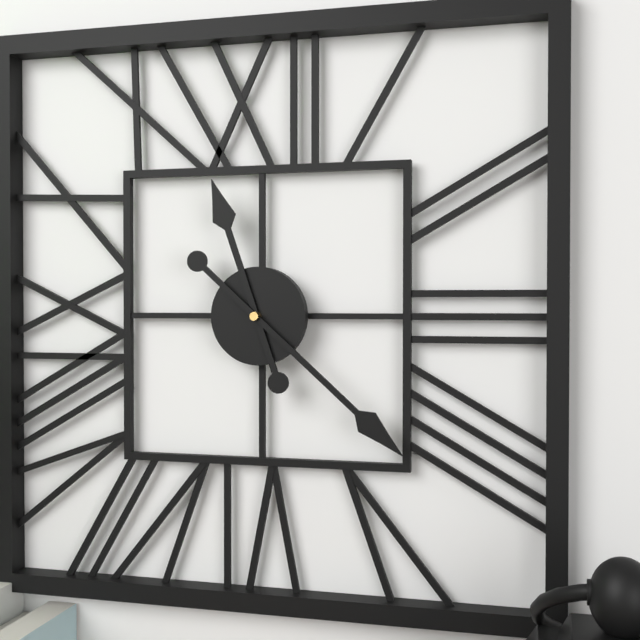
{"hour": 11, "minute": 22}
